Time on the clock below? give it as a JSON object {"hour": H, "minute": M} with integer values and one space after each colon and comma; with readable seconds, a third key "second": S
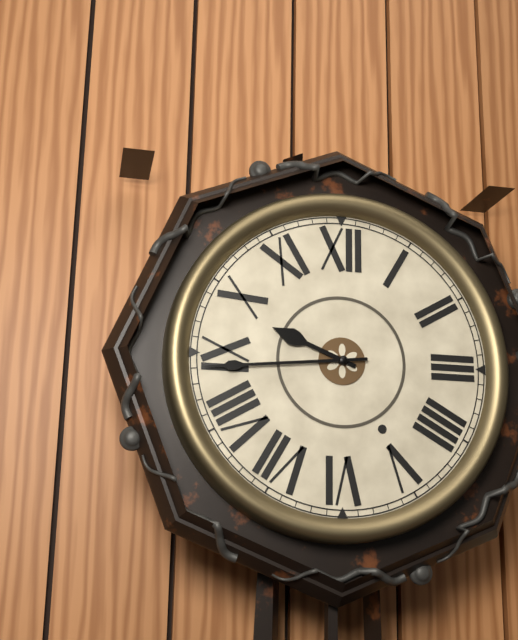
{"hour": 9, "minute": 44}
